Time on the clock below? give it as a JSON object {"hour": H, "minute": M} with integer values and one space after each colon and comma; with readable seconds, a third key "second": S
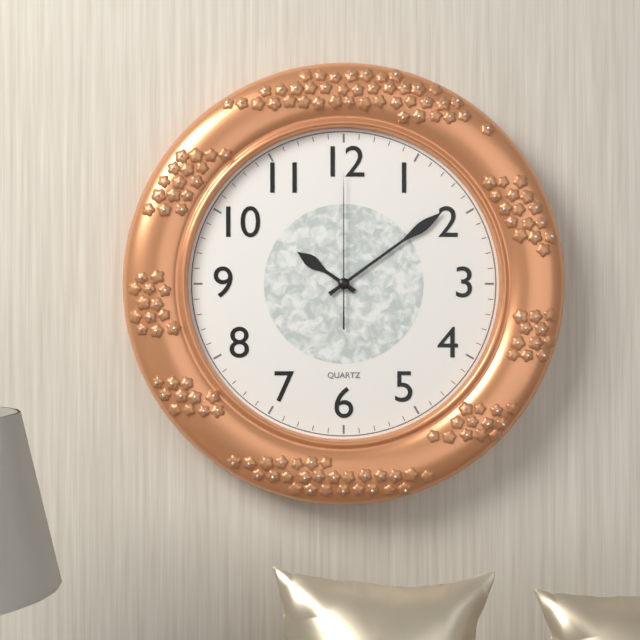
{"hour": 10, "minute": 9, "second": 0}
